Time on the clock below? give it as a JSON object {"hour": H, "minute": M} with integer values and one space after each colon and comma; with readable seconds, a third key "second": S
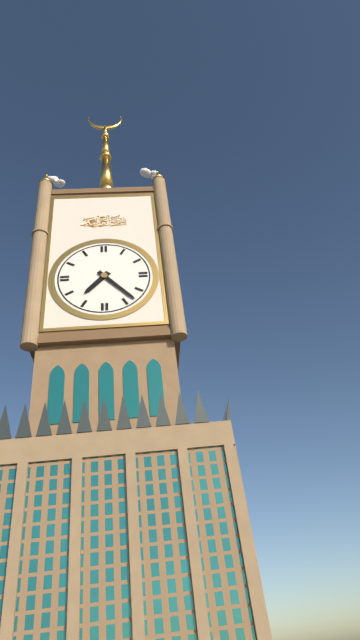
{"hour": 7, "minute": 23}
